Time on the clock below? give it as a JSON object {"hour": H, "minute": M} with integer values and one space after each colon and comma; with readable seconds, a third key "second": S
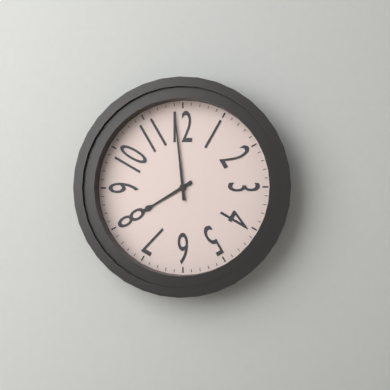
{"hour": 7, "minute": 59}
